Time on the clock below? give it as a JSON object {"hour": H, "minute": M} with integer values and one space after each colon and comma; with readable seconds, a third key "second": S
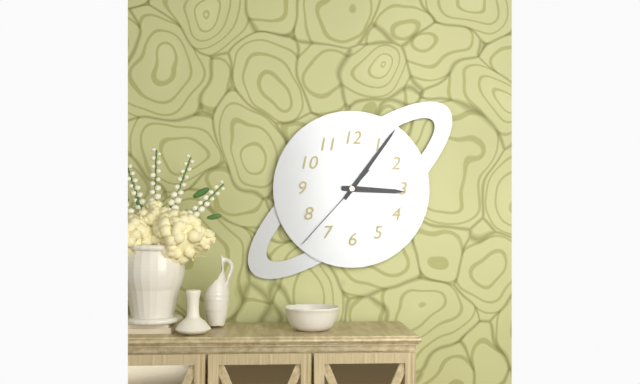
{"hour": 3, "minute": 6, "second": 37}
